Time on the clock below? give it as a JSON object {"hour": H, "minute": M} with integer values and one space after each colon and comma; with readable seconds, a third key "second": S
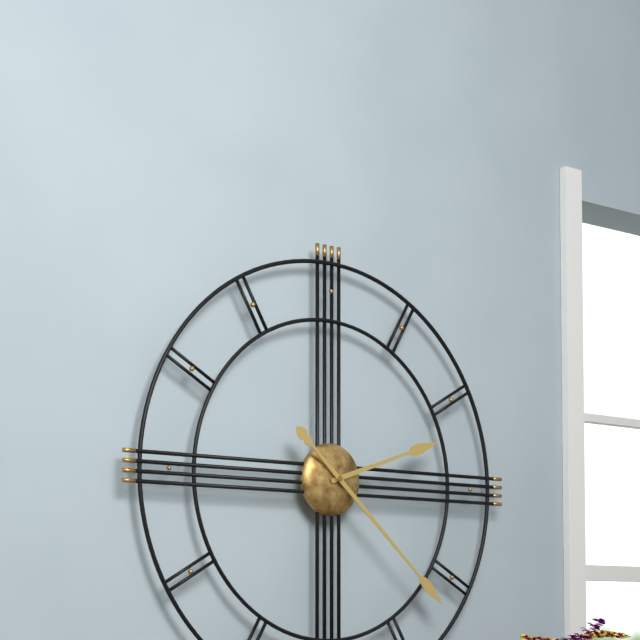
{"hour": 2, "minute": 22}
